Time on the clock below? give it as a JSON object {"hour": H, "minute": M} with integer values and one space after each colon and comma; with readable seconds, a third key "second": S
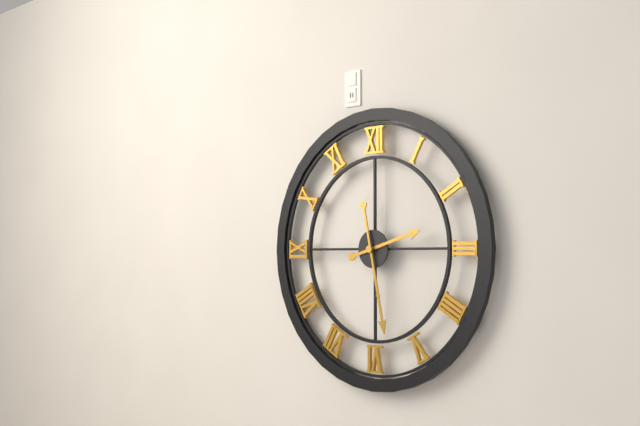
{"hour": 2, "minute": 28}
